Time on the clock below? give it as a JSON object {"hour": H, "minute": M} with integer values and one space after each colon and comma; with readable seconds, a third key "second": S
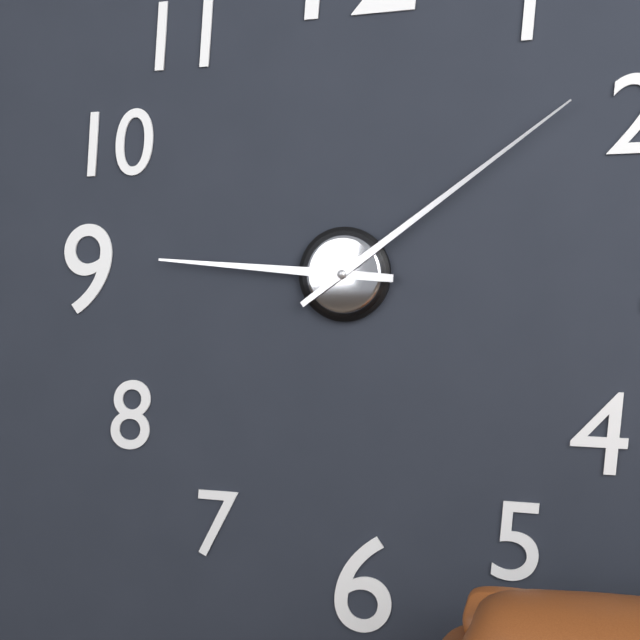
{"hour": 9, "minute": 9}
